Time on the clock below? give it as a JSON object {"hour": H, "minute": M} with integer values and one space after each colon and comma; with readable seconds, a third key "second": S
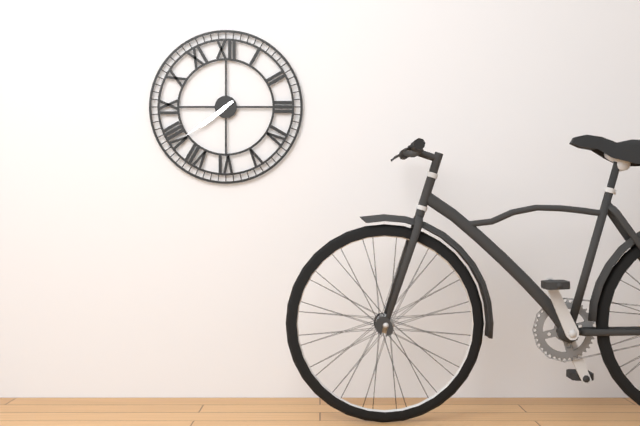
{"hour": 7, "minute": 39}
